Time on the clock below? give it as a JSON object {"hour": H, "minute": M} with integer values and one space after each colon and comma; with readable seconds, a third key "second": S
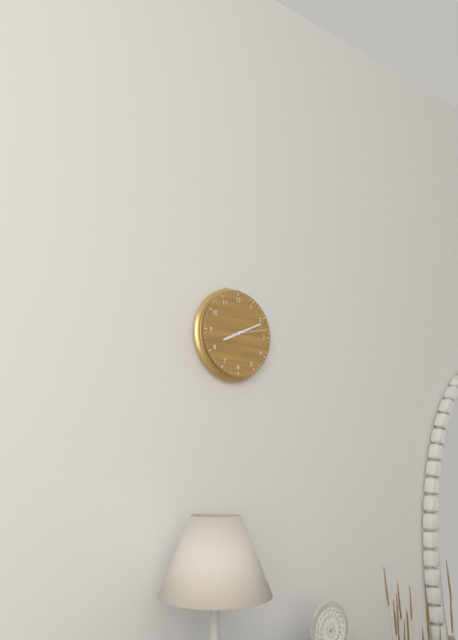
{"hour": 8, "minute": 11}
